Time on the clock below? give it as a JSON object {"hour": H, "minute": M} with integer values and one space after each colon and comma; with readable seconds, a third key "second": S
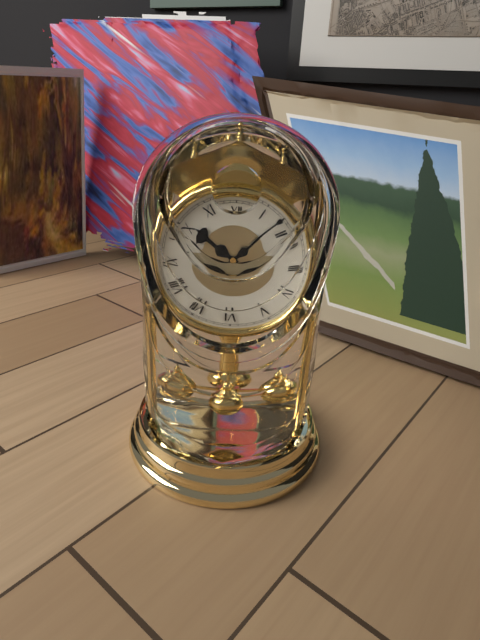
{"hour": 10, "minute": 8}
